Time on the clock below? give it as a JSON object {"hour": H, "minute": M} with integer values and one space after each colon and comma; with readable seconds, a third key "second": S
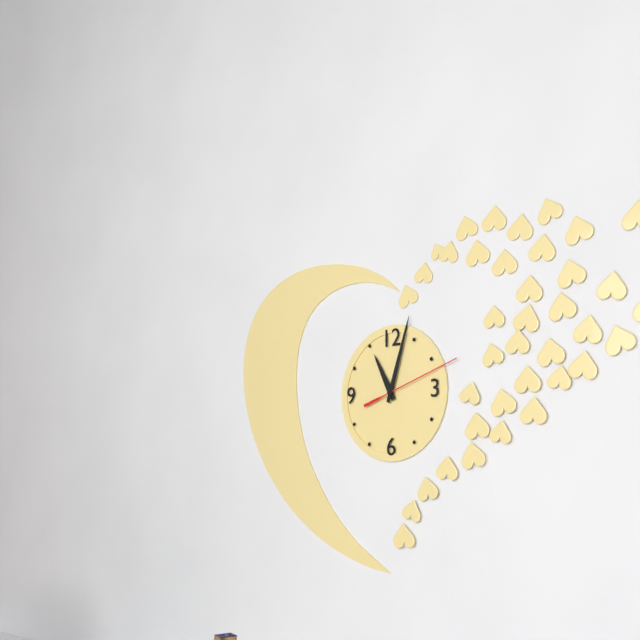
{"hour": 11, "minute": 3, "second": 12}
